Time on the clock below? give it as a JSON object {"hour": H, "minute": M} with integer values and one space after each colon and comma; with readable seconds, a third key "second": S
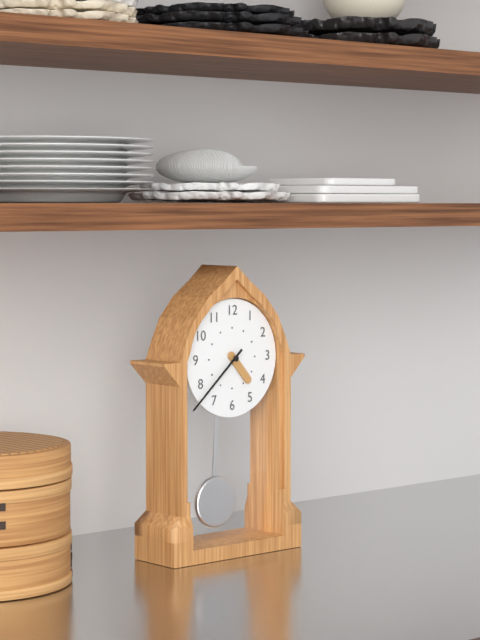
{"hour": 4, "minute": 38}
